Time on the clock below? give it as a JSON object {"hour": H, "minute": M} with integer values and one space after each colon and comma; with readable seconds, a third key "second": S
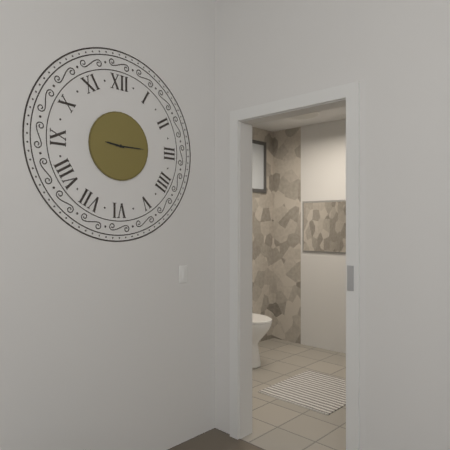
{"hour": 9, "minute": 15}
